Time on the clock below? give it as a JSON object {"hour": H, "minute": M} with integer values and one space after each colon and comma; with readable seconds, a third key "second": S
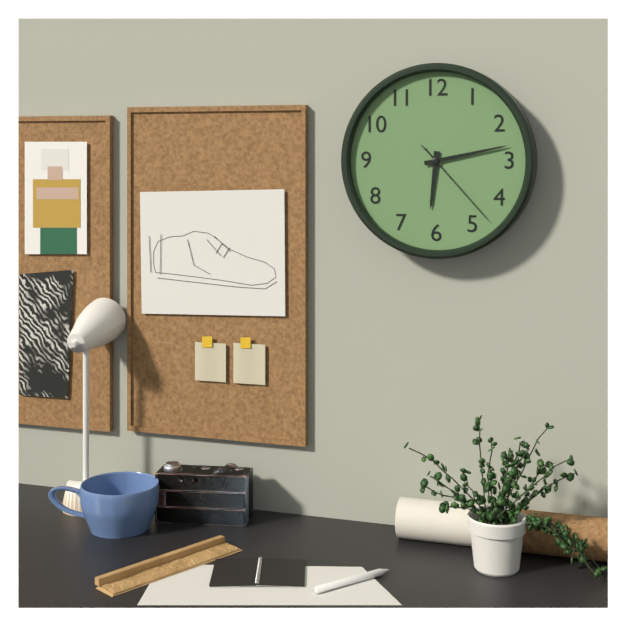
{"hour": 6, "minute": 13, "second": 23}
